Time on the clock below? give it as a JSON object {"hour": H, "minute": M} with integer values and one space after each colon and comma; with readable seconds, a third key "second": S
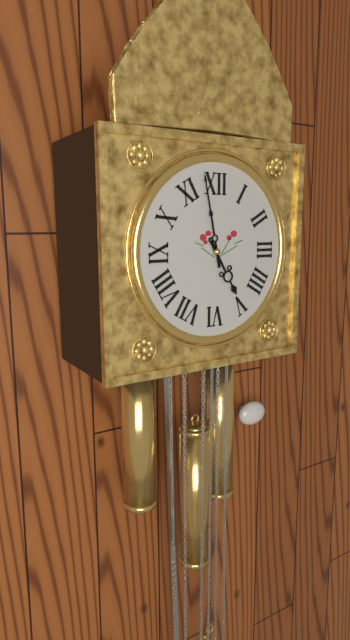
{"hour": 4, "minute": 58}
